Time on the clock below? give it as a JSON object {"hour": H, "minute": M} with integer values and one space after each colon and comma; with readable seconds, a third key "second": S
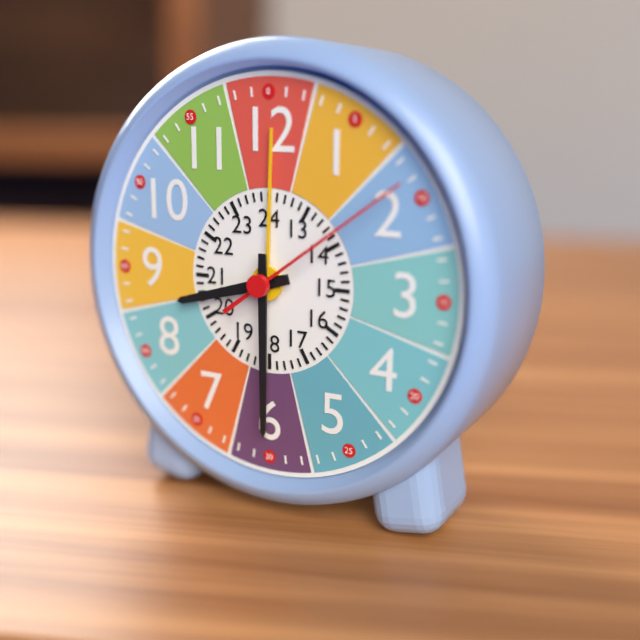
{"hour": 8, "minute": 30, "second": 9}
